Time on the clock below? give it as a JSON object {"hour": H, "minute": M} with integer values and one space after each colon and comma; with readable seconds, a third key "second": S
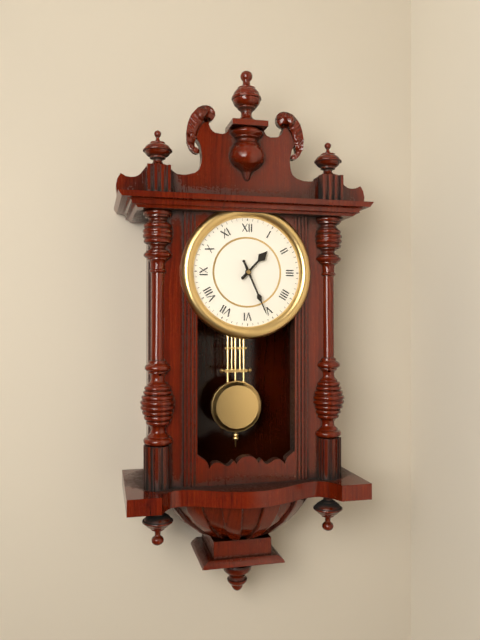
{"hour": 1, "minute": 26}
